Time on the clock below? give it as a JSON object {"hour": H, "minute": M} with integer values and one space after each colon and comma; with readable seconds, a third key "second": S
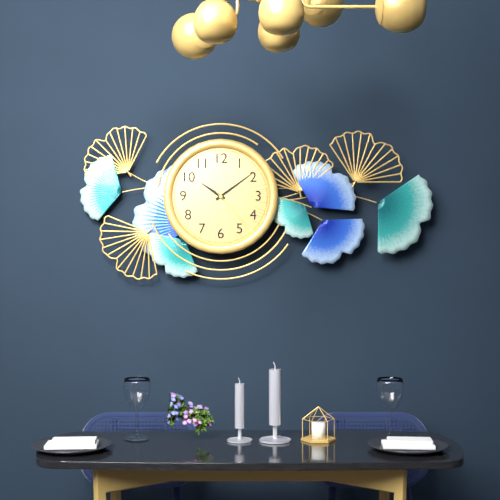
{"hour": 10, "minute": 9, "second": 23}
